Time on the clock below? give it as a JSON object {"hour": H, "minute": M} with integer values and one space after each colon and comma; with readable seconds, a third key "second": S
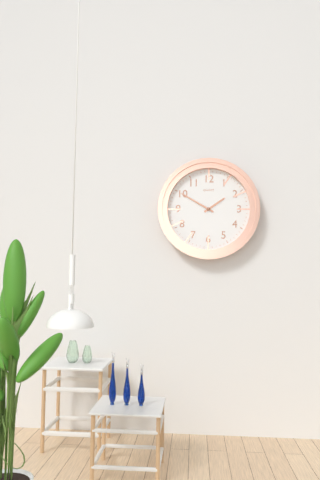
{"hour": 1, "minute": 50}
